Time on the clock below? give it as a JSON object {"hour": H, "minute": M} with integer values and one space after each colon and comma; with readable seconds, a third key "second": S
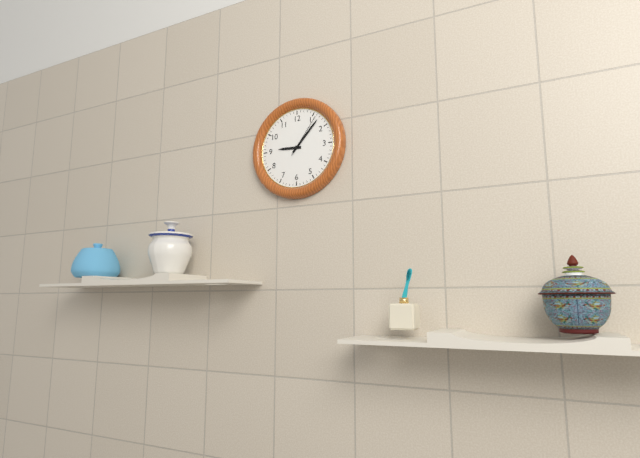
{"hour": 9, "minute": 7}
